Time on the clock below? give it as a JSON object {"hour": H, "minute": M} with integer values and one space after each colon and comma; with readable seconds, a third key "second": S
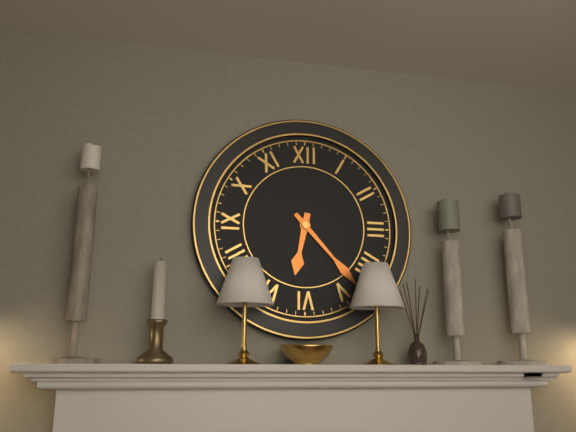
{"hour": 6, "minute": 23}
